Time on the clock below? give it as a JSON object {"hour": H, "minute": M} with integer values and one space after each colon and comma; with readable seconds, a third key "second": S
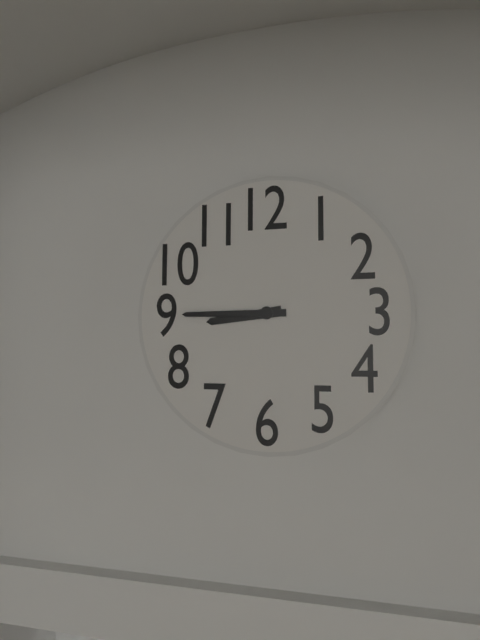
{"hour": 8, "minute": 45}
